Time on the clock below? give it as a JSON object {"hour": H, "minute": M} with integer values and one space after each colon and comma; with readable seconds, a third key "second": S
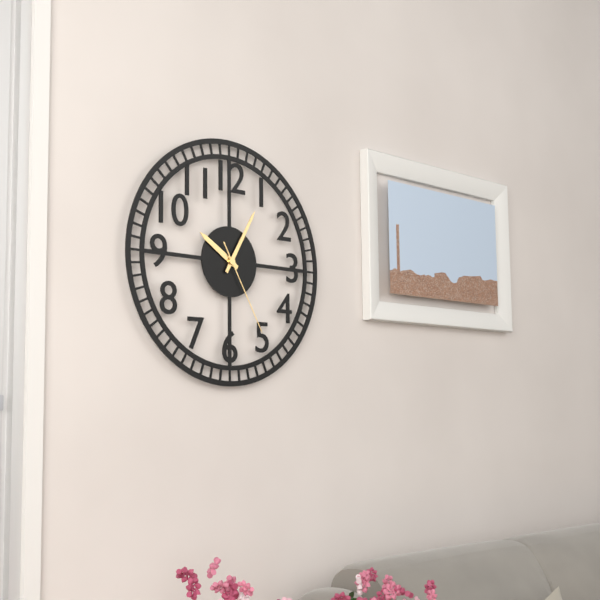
{"hour": 10, "minute": 5, "second": 25}
